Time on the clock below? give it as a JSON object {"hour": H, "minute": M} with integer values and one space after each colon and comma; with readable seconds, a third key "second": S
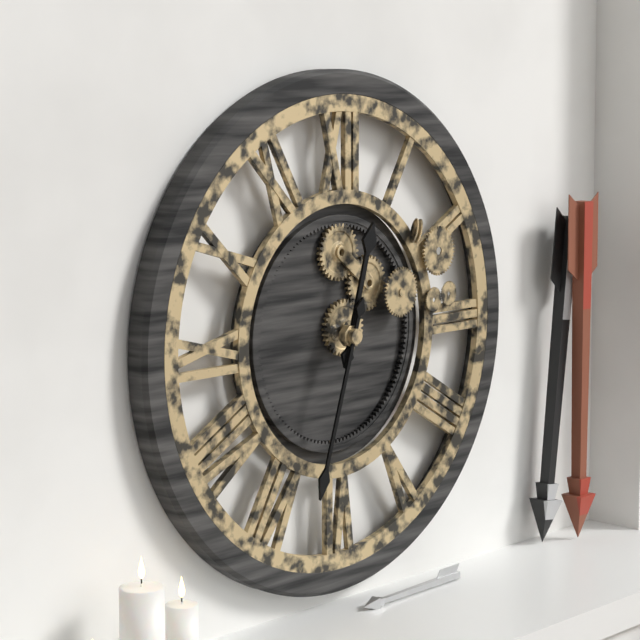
{"hour": 12, "minute": 33}
